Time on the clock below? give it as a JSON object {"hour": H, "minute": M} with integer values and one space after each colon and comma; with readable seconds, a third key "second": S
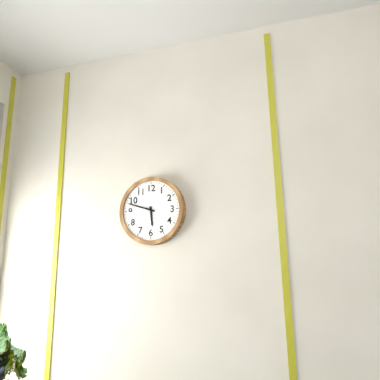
{"hour": 5, "minute": 48}
